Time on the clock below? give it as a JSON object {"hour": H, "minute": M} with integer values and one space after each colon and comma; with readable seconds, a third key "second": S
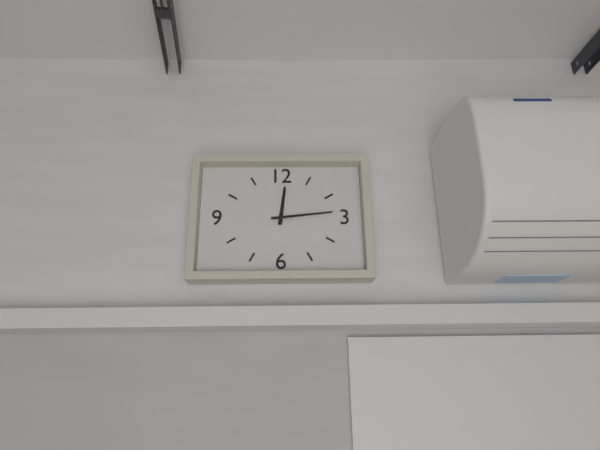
{"hour": 12, "minute": 14}
